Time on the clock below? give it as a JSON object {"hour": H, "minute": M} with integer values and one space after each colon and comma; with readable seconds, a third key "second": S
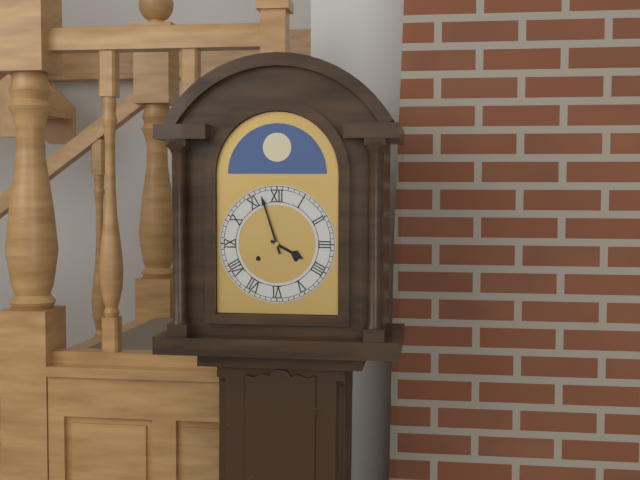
{"hour": 3, "minute": 57}
